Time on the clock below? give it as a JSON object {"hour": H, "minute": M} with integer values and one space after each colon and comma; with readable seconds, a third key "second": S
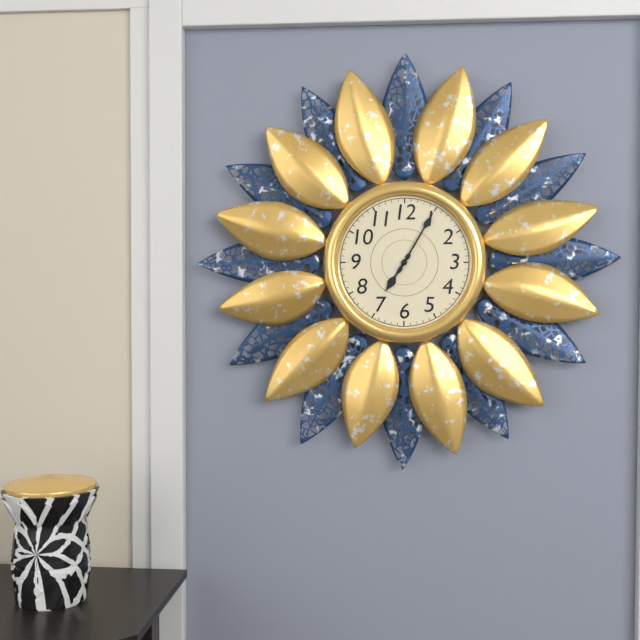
{"hour": 7, "minute": 5}
